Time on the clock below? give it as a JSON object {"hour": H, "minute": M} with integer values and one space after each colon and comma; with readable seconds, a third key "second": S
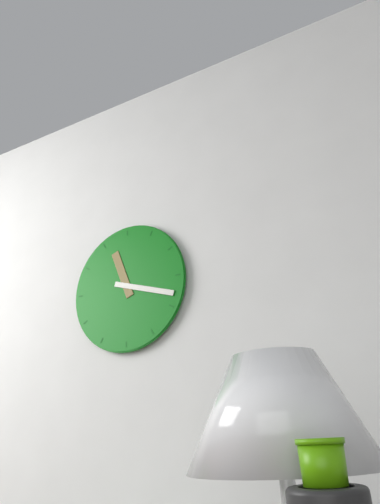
{"hour": 11, "minute": 18}
